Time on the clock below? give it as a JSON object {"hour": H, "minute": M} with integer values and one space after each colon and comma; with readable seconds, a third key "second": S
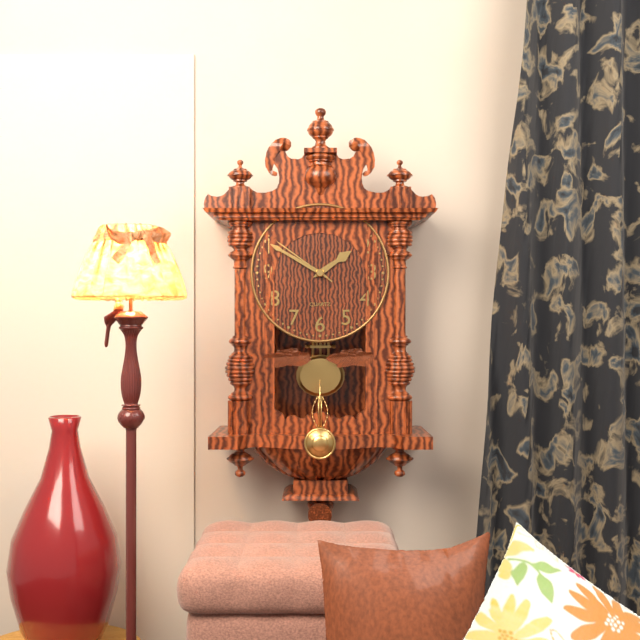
{"hour": 1, "minute": 50, "second": 51}
